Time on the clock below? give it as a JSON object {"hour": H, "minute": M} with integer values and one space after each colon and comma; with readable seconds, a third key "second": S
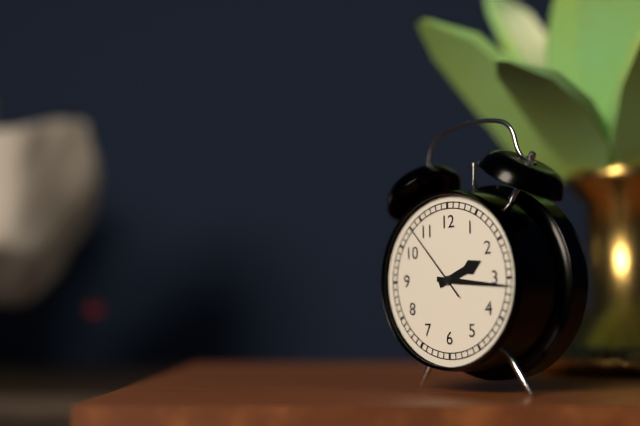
{"hour": 2, "minute": 16, "second": 53}
